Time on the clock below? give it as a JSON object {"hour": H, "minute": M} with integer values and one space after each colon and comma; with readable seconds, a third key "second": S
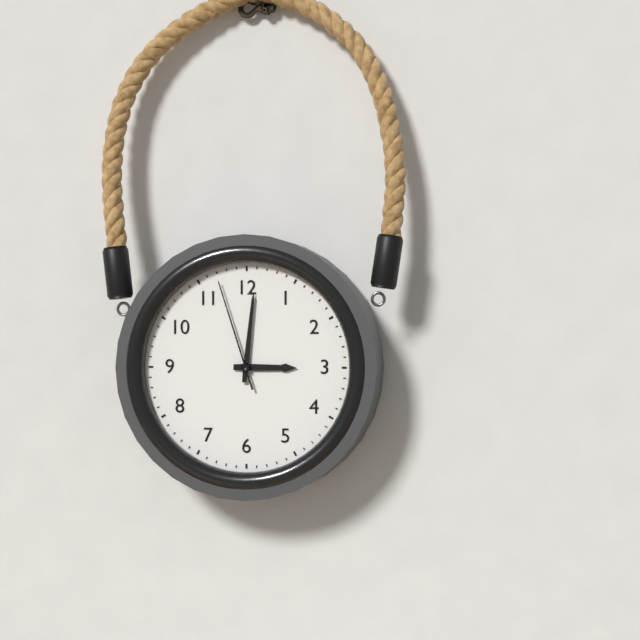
{"hour": 3, "minute": 1, "second": 57}
